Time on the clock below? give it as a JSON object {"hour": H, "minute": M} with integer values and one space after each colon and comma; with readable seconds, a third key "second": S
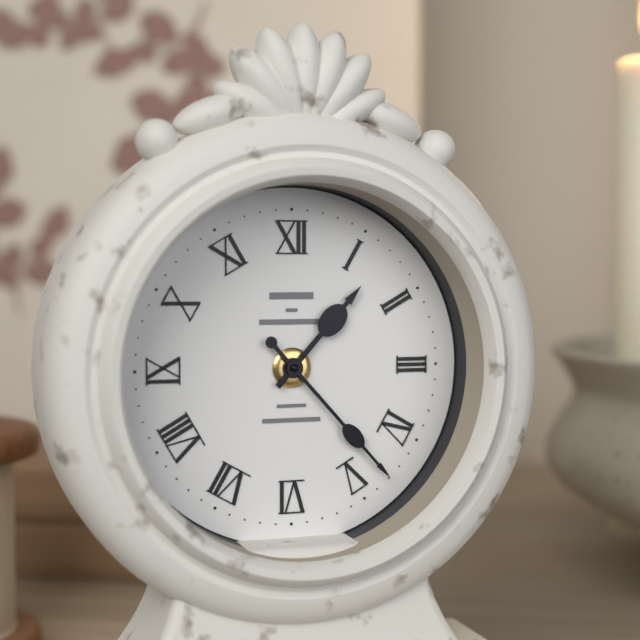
{"hour": 1, "minute": 23}
